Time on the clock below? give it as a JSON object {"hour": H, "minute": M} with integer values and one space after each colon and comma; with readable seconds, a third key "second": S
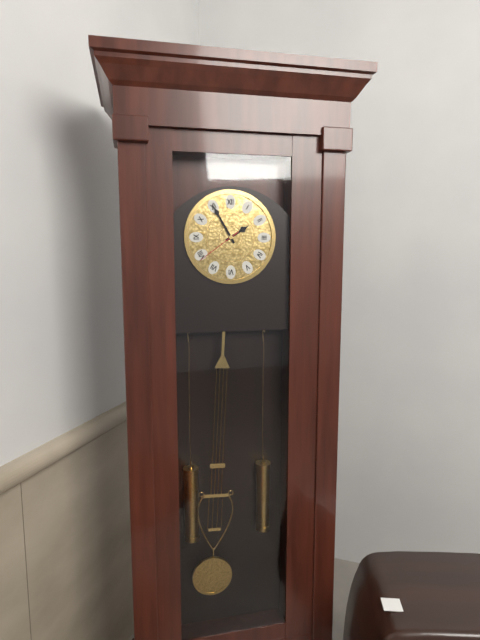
{"hour": 1, "minute": 55}
